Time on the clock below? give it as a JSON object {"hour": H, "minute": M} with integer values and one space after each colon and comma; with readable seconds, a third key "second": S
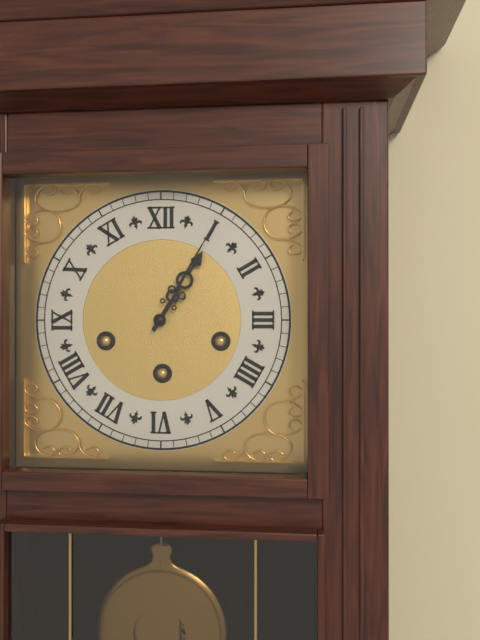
{"hour": 1, "minute": 5}
